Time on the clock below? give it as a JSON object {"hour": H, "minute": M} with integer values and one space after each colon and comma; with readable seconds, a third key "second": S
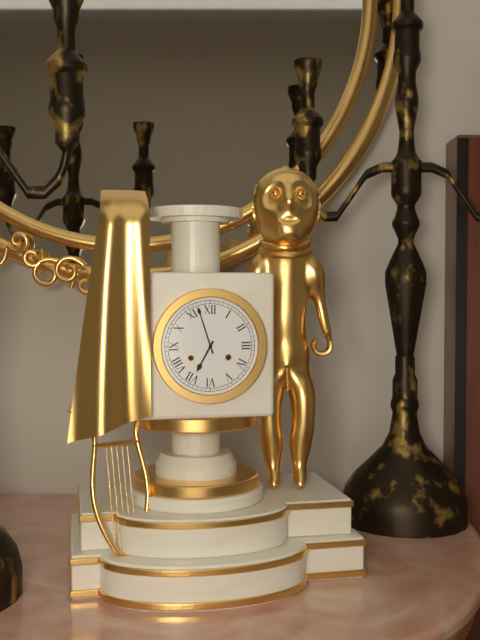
{"hour": 6, "minute": 57}
